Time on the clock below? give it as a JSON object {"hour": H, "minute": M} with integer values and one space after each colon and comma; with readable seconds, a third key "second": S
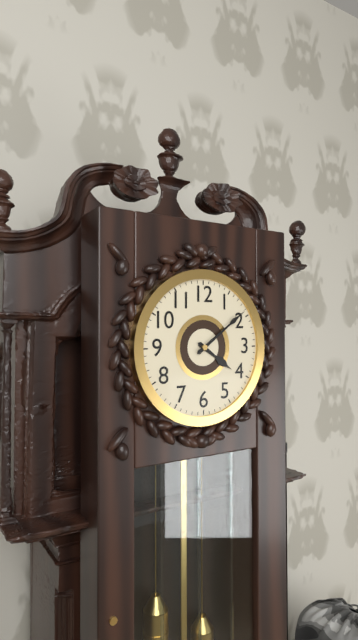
{"hour": 4, "minute": 9}
